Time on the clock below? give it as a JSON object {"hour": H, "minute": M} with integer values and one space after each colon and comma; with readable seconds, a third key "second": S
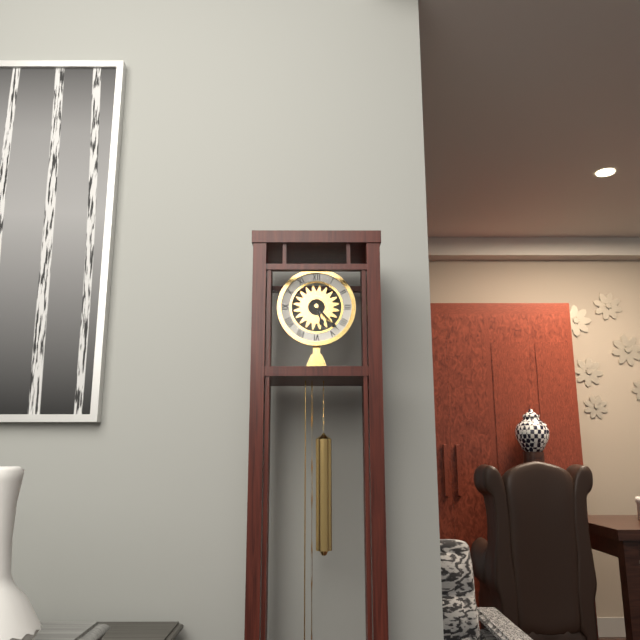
{"hour": 5, "minute": 23}
